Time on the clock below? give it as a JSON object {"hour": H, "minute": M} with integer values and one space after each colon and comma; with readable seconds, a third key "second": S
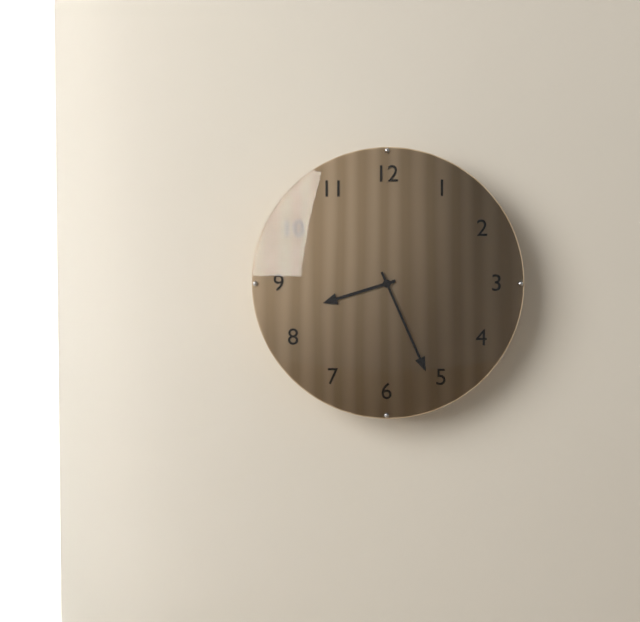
{"hour": 8, "minute": 26}
